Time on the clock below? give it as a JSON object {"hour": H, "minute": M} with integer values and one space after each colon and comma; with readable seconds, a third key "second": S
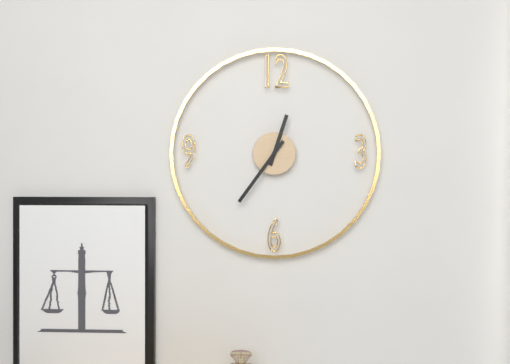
{"hour": 12, "minute": 36}
